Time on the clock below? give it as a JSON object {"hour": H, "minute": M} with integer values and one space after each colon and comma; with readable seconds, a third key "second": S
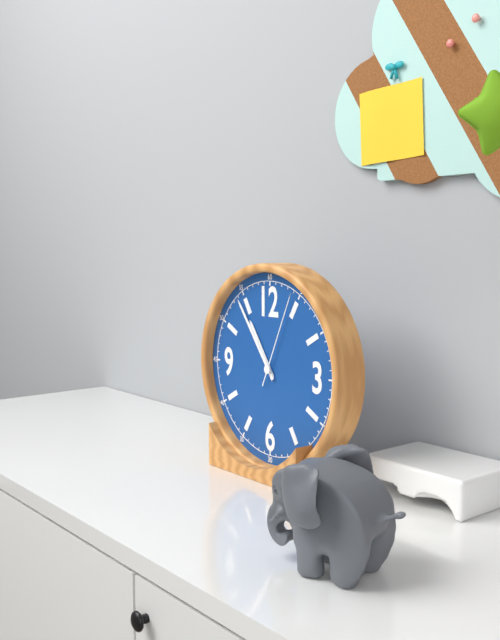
{"hour": 10, "minute": 54, "second": 4}
